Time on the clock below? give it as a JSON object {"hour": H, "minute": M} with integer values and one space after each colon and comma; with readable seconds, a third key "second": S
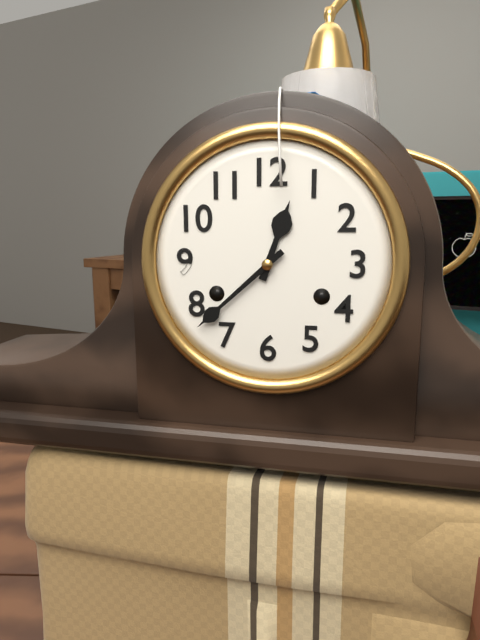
{"hour": 12, "minute": 38}
